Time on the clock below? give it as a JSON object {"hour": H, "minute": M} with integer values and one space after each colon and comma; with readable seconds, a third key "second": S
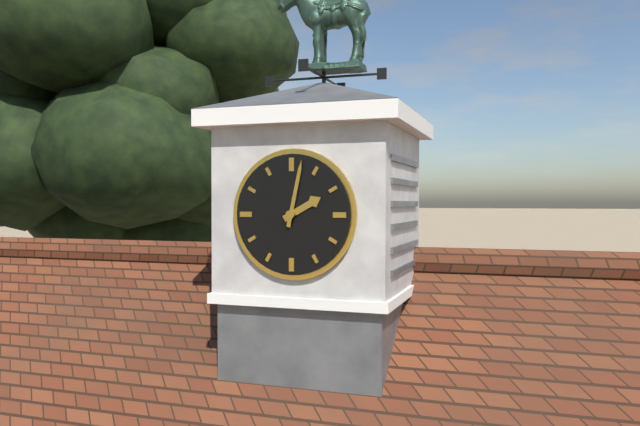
{"hour": 2, "minute": 2}
